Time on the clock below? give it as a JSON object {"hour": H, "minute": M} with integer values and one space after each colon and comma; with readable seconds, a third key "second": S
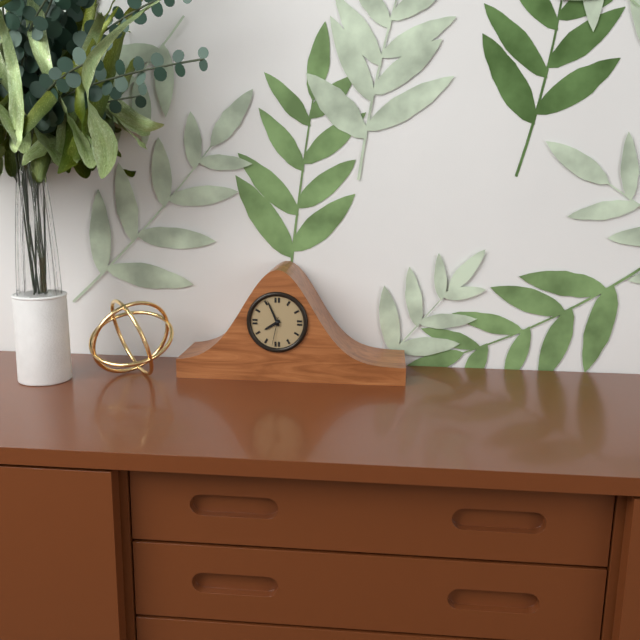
{"hour": 7, "minute": 56}
